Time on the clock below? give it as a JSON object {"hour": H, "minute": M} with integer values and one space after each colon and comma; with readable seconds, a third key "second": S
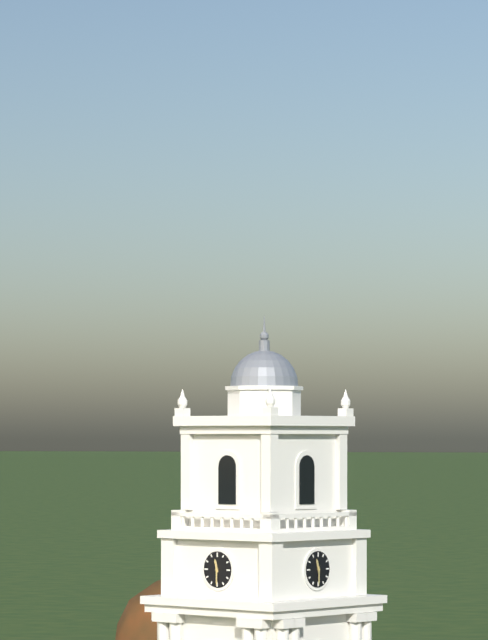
{"hour": 11, "minute": 30}
